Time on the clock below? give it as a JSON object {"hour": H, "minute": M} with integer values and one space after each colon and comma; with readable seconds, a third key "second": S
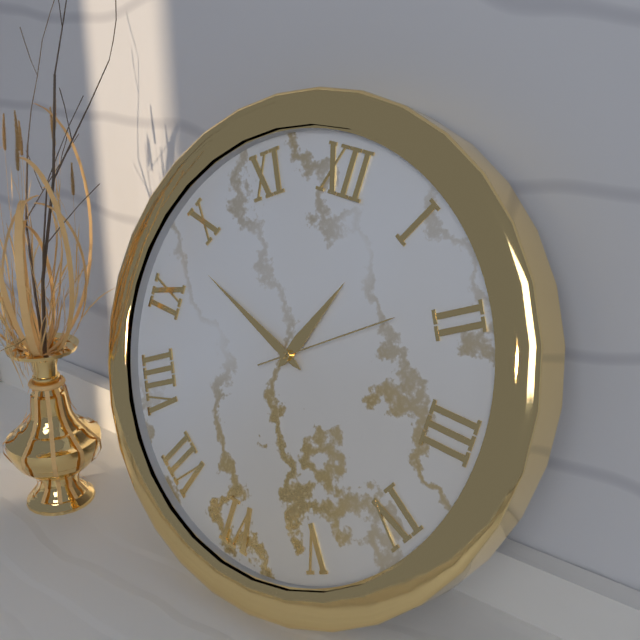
{"hour": 12, "minute": 48, "second": 9}
